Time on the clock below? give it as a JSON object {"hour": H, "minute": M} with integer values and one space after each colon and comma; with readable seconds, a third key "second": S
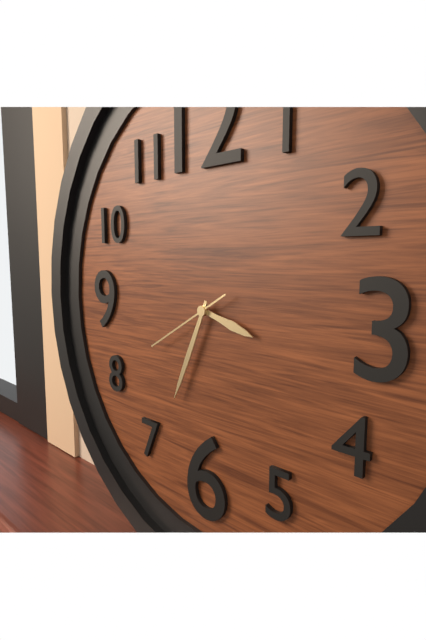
{"hour": 3, "minute": 34, "second": 40}
